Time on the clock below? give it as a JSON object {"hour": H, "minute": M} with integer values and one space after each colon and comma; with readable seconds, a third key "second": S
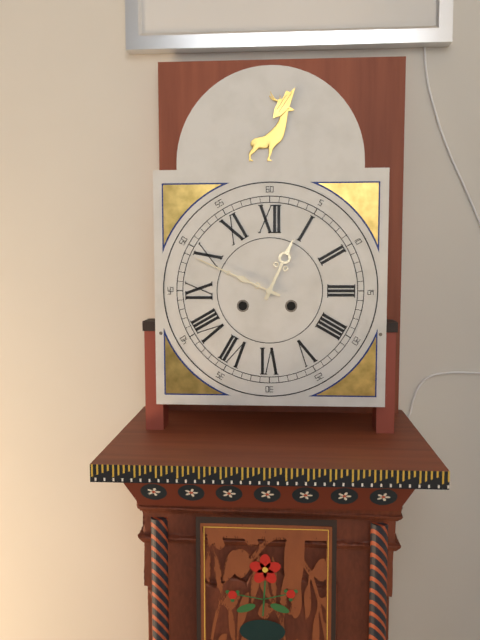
{"hour": 12, "minute": 49}
